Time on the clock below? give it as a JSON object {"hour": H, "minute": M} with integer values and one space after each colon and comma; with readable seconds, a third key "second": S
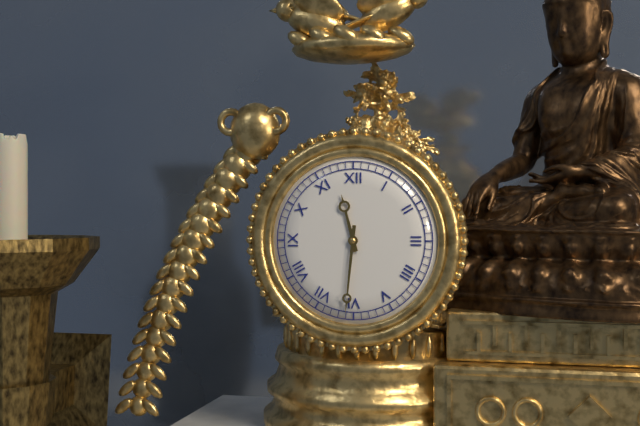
{"hour": 11, "minute": 31}
